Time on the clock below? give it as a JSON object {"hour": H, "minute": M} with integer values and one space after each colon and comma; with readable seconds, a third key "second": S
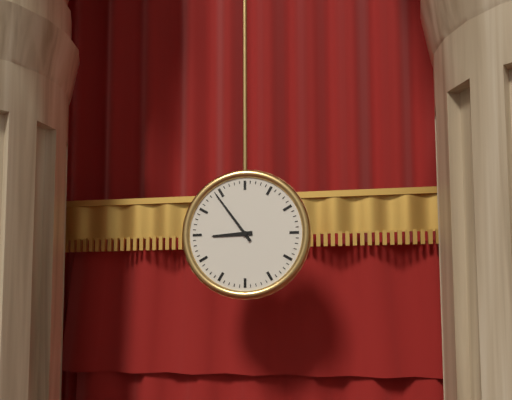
{"hour": 8, "minute": 54}
